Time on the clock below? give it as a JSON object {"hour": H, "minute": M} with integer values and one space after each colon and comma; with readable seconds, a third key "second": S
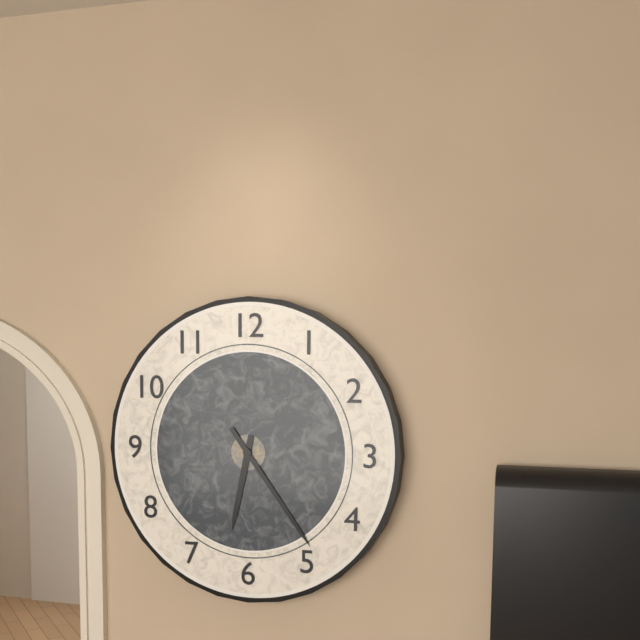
{"hour": 6, "minute": 24}
